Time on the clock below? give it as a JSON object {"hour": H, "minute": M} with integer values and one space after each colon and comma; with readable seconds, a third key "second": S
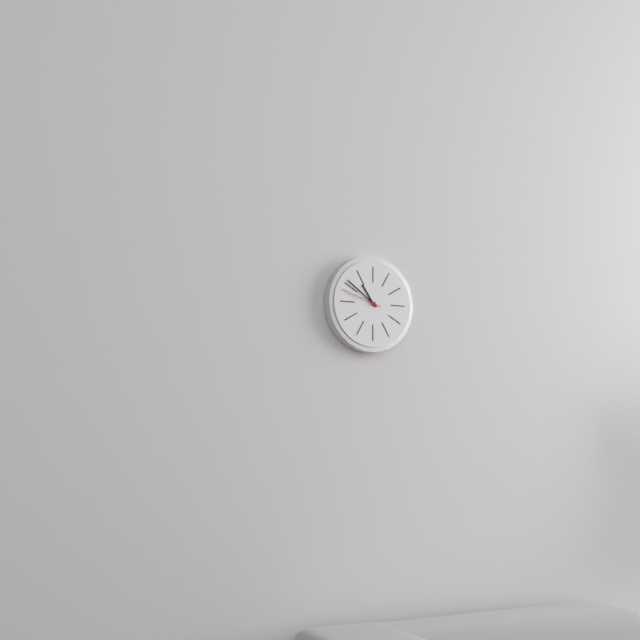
{"hour": 10, "minute": 51}
